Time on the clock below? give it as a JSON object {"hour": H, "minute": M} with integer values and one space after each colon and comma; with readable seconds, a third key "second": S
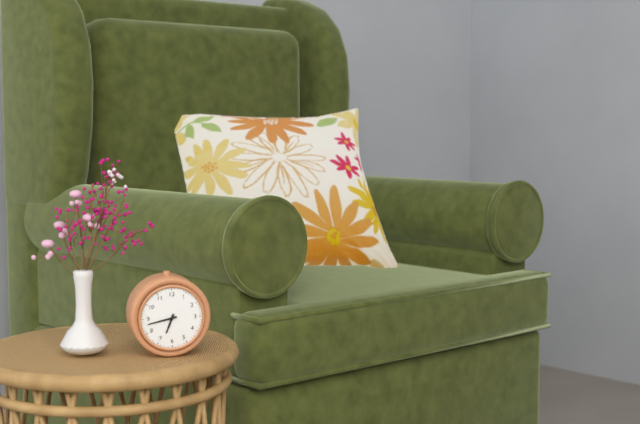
{"hour": 6, "minute": 43}
